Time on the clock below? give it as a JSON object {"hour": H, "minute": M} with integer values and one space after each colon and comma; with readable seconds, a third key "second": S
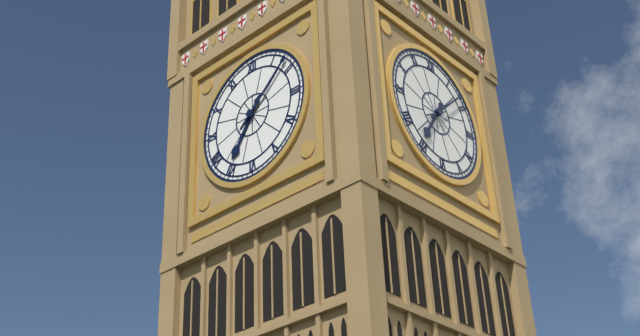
{"hour": 7, "minute": 8}
